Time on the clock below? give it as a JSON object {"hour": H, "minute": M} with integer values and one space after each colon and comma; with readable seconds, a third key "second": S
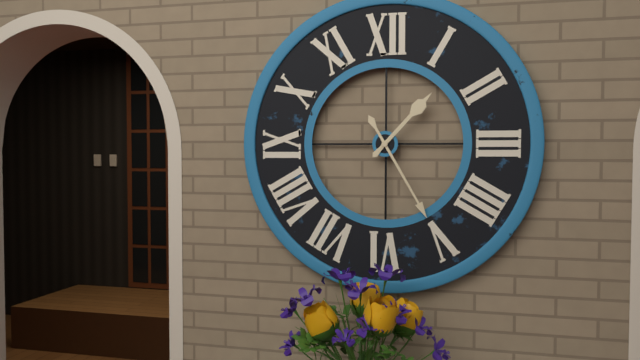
{"hour": 1, "minute": 25}
